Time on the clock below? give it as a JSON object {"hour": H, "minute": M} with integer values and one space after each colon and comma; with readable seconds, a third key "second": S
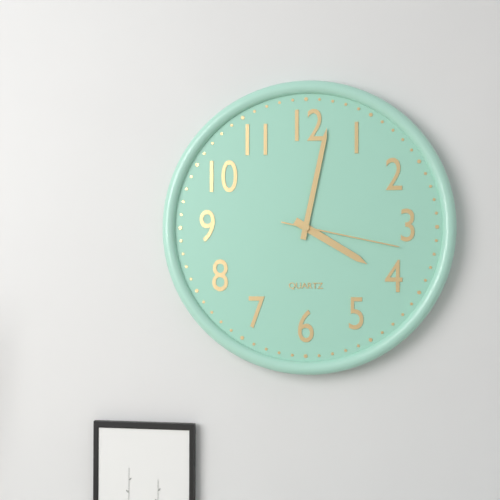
{"hour": 4, "minute": 2, "second": 17}
